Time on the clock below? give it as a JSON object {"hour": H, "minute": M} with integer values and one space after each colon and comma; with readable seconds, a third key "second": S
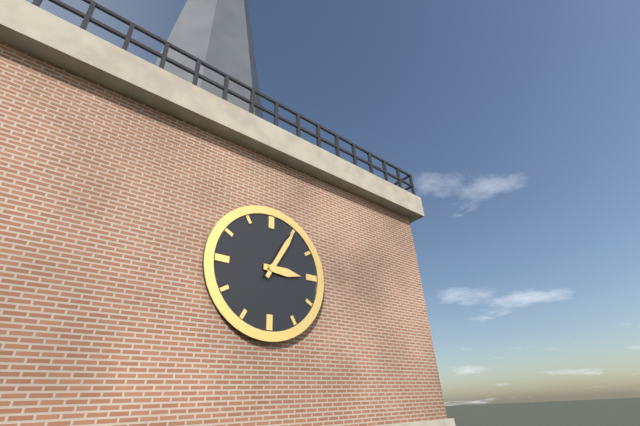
{"hour": 3, "minute": 5}
